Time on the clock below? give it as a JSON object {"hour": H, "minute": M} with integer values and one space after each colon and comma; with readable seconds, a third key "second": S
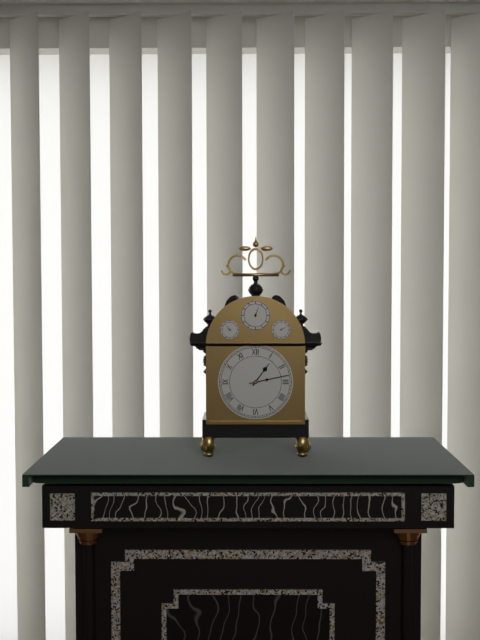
{"hour": 1, "minute": 13}
